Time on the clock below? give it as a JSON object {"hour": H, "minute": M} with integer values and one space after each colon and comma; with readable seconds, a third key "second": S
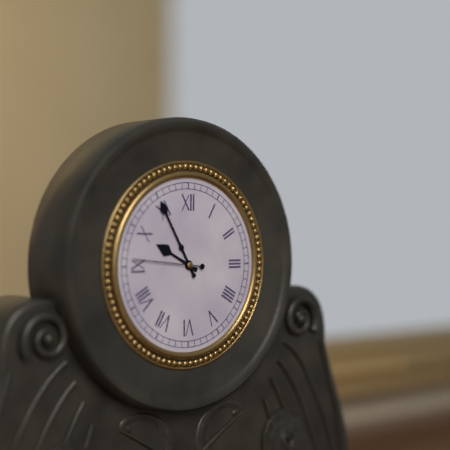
{"hour": 9, "minute": 55, "second": 46}
